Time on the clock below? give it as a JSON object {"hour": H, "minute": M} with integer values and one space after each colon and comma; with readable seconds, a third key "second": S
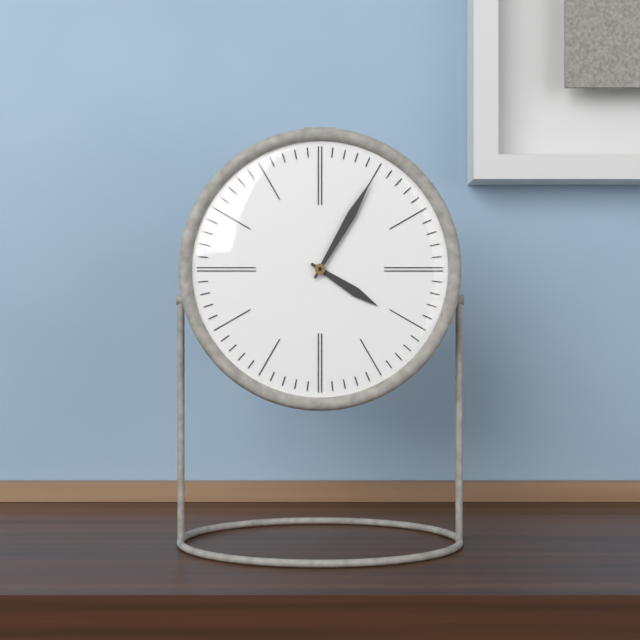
{"hour": 4, "minute": 5}
